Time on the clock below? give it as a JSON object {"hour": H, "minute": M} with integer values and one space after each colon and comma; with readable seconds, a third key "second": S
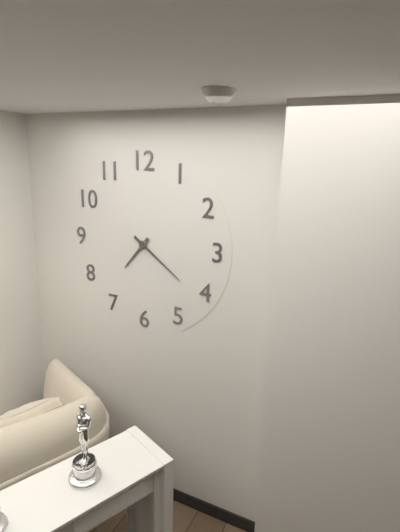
{"hour": 7, "minute": 21}
